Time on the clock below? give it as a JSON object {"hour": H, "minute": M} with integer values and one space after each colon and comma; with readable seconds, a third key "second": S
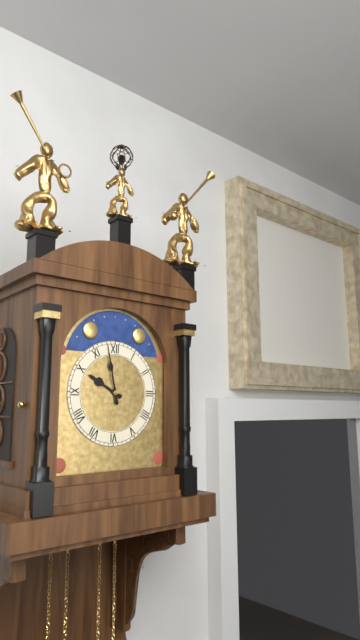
{"hour": 9, "minute": 58}
